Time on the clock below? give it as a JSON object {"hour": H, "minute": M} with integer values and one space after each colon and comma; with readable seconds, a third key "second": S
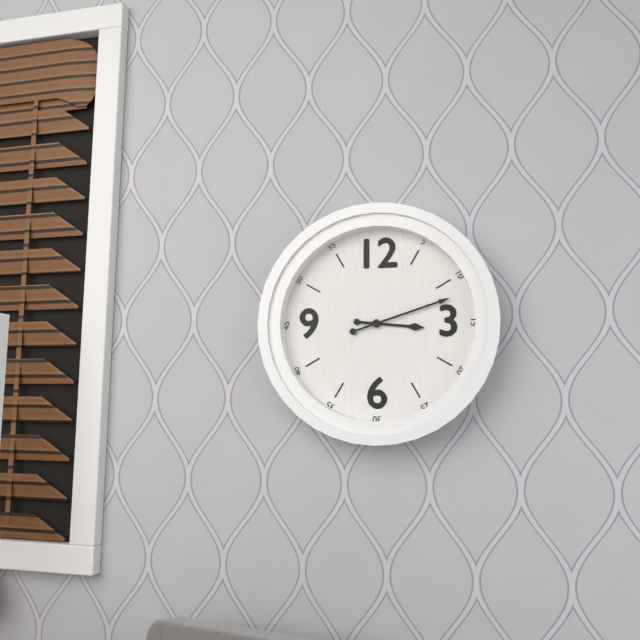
{"hour": 3, "minute": 12}
